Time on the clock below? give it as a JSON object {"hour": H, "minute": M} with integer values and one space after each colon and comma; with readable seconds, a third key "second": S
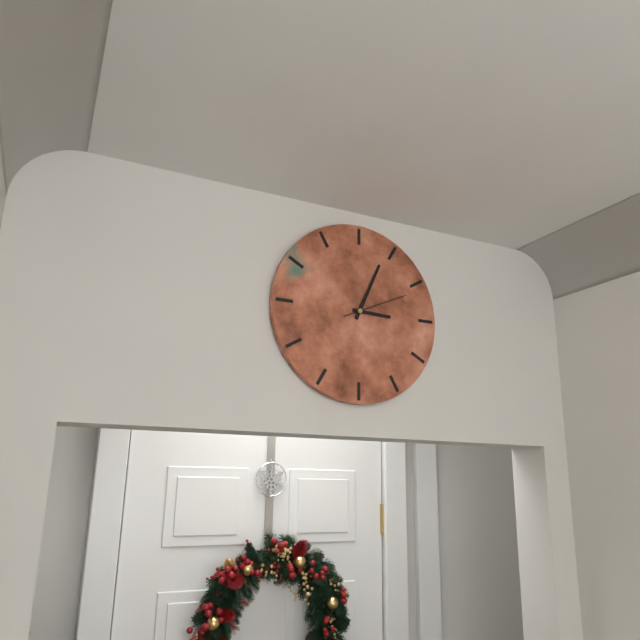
{"hour": 3, "minute": 4, "second": 11}
